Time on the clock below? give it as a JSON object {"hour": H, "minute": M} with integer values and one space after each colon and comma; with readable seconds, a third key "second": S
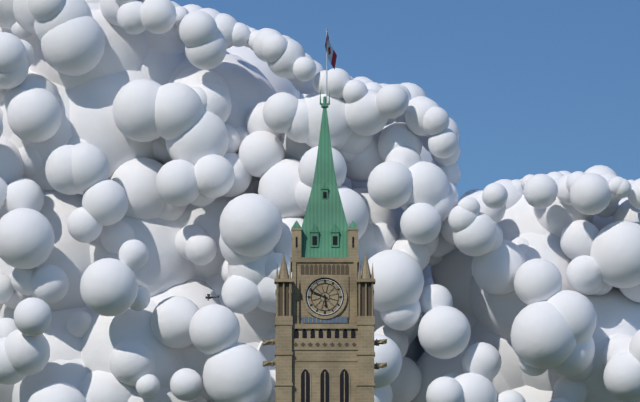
{"hour": 5, "minute": 49}
